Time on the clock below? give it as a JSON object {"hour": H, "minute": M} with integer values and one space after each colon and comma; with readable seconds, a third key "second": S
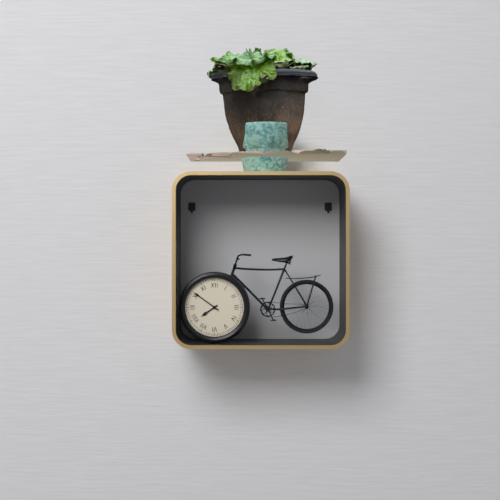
{"hour": 7, "minute": 51}
